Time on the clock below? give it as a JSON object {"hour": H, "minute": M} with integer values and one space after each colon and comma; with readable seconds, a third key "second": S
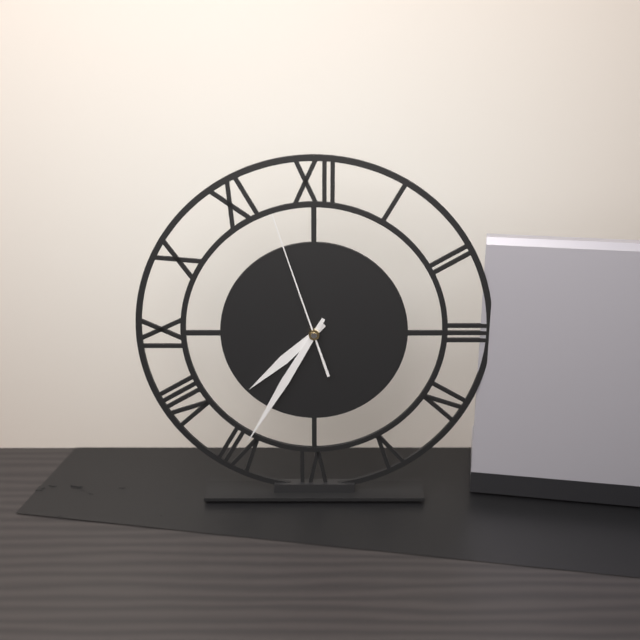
{"hour": 7, "minute": 35, "second": 57}
